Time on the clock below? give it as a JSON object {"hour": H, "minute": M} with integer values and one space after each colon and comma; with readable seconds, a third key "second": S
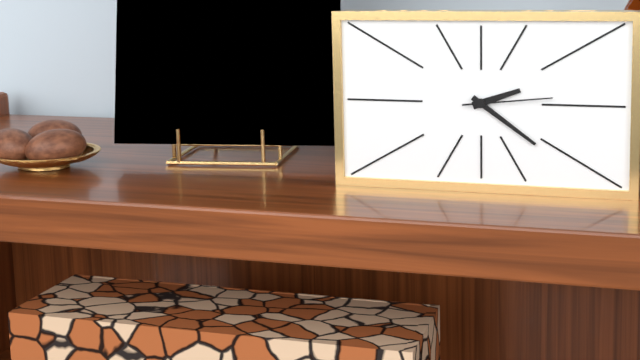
{"hour": 2, "minute": 21, "second": 14}
